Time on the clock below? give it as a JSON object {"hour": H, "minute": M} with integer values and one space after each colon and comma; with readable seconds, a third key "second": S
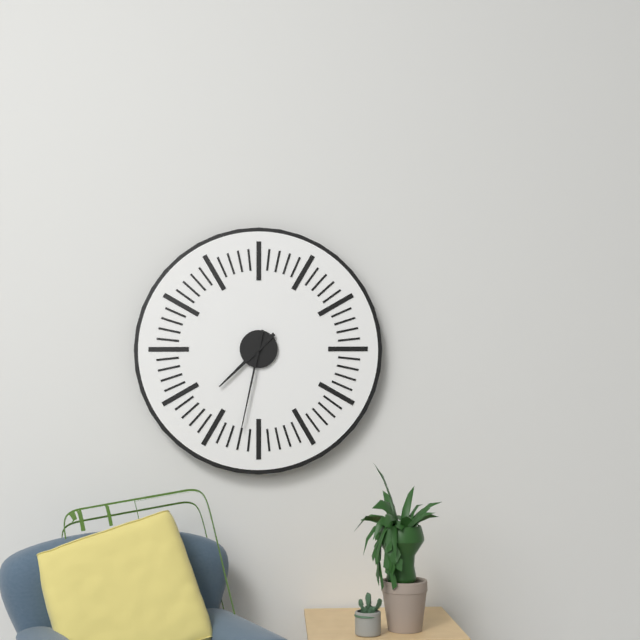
{"hour": 7, "minute": 32}
